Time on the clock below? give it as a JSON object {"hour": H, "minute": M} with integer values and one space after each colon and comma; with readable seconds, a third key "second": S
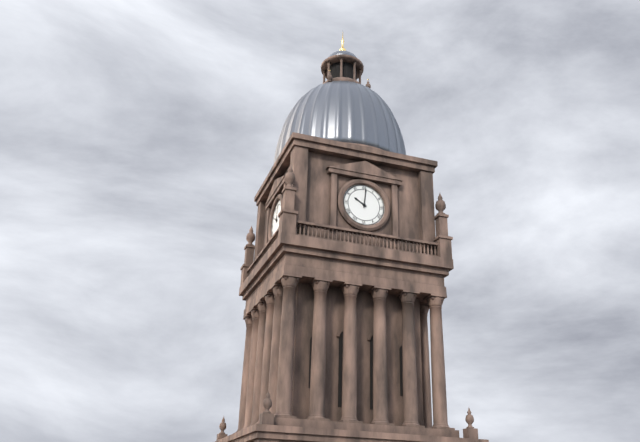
{"hour": 10, "minute": 1}
